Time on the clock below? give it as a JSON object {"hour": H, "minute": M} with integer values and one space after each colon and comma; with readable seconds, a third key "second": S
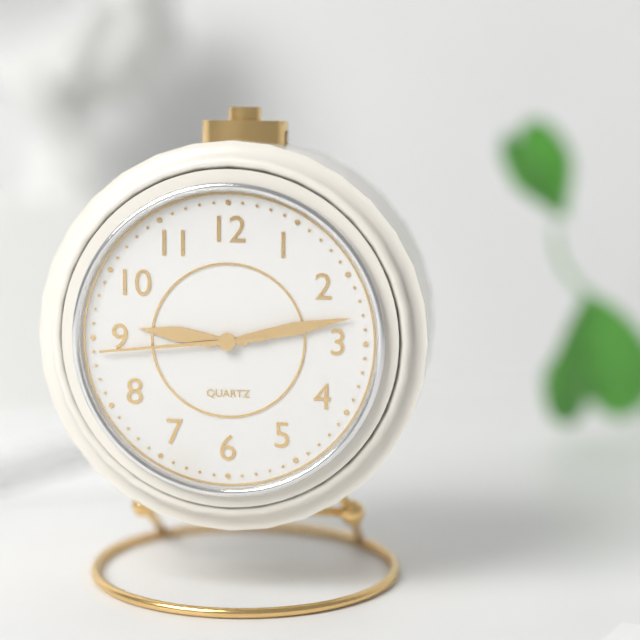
{"hour": 9, "minute": 13, "second": 44}
